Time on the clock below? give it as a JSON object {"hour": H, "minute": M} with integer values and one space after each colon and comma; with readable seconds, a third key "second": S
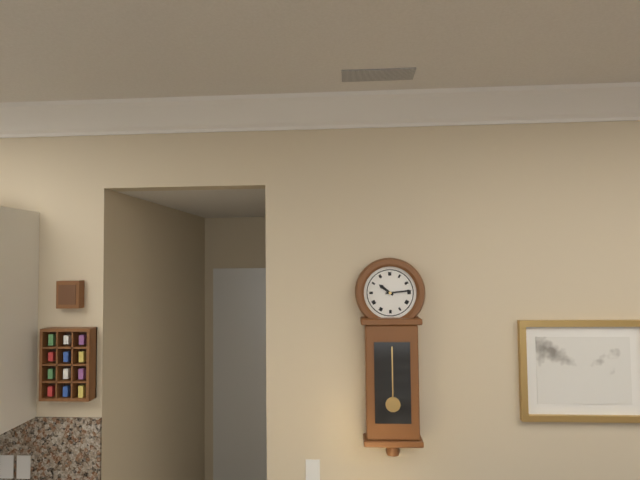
{"hour": 10, "minute": 14}
